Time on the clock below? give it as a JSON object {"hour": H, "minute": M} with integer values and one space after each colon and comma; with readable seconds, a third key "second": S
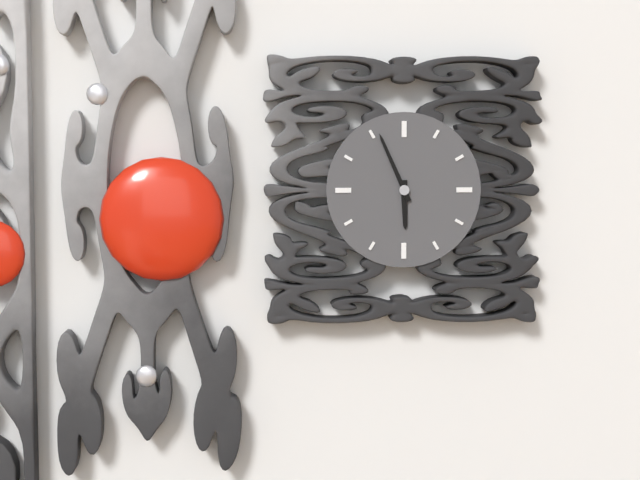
{"hour": 5, "minute": 56}
